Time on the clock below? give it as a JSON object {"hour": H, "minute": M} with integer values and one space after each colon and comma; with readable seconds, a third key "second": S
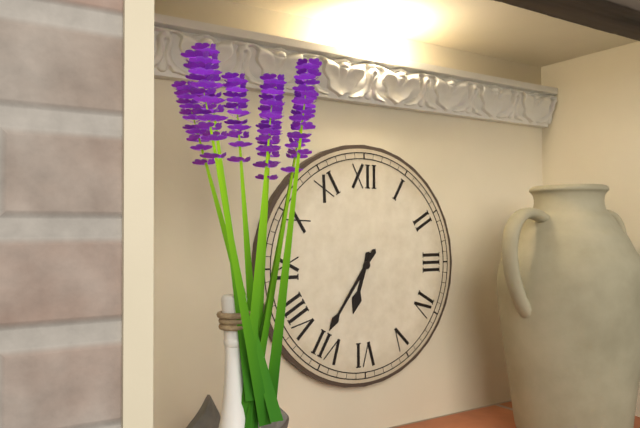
{"hour": 6, "minute": 36}
